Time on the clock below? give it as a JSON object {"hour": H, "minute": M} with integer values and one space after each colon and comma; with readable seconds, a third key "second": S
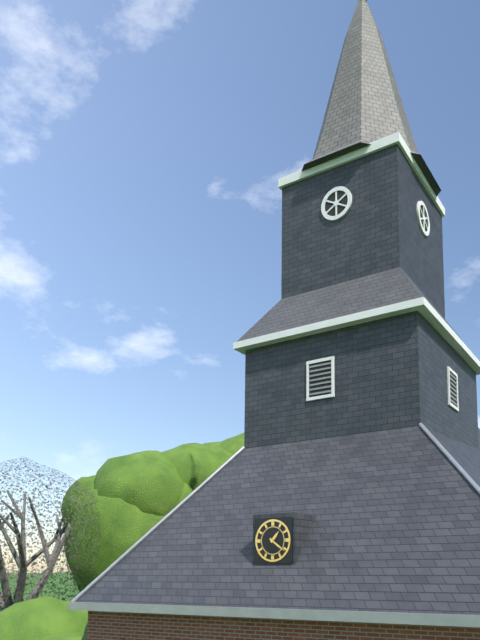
{"hour": 1, "minute": 21}
